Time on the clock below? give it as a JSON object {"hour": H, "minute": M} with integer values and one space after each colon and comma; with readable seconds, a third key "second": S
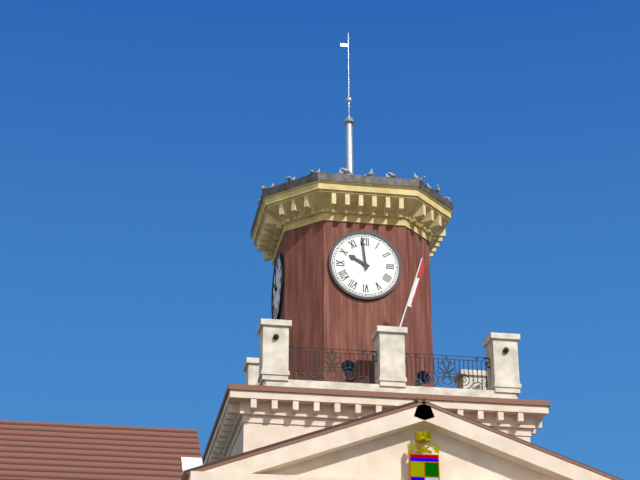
{"hour": 9, "minute": 59}
